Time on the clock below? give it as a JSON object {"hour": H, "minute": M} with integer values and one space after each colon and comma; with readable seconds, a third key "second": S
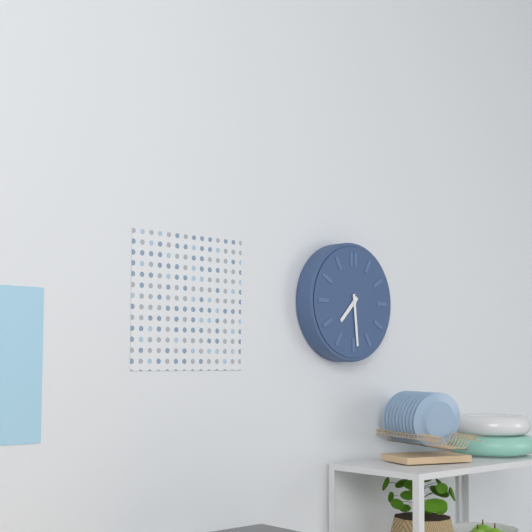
{"hour": 7, "minute": 29}
